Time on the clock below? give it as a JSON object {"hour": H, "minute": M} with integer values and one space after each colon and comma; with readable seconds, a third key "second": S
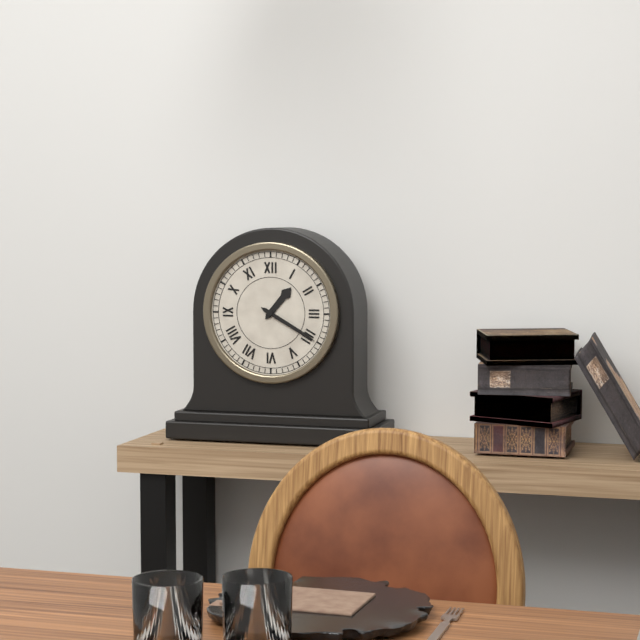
{"hour": 1, "minute": 20}
